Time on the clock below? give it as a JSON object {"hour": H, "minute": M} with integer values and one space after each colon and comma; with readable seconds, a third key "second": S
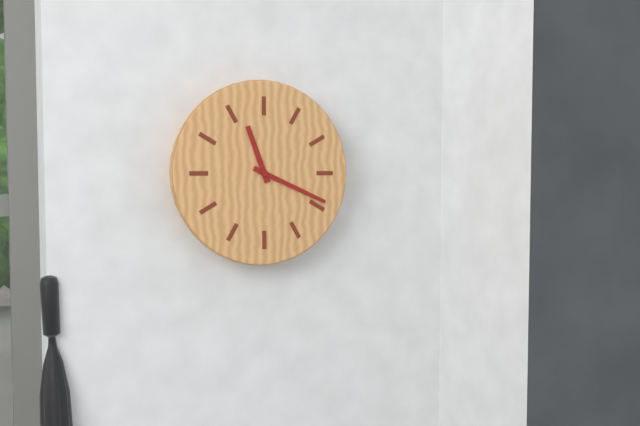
{"hour": 11, "minute": 19}
